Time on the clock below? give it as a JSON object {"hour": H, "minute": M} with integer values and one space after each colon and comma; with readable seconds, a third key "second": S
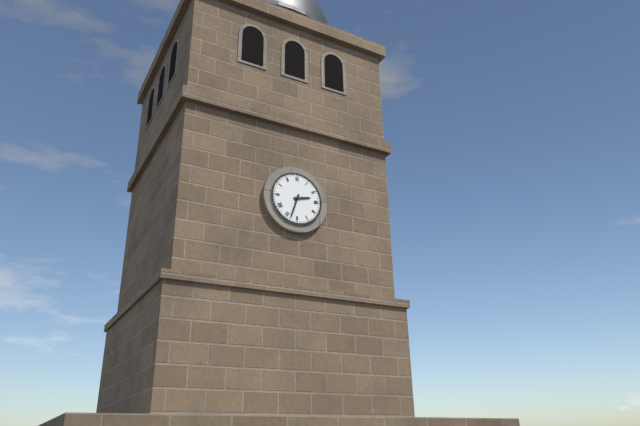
{"hour": 2, "minute": 33}
